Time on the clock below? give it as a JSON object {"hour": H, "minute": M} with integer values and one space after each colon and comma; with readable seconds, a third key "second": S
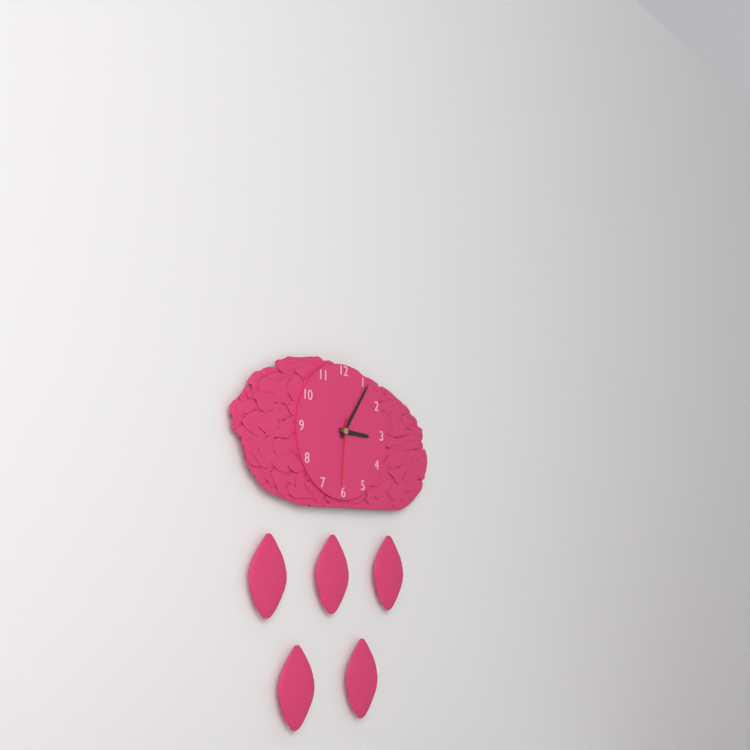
{"hour": 3, "minute": 6, "second": 31}
